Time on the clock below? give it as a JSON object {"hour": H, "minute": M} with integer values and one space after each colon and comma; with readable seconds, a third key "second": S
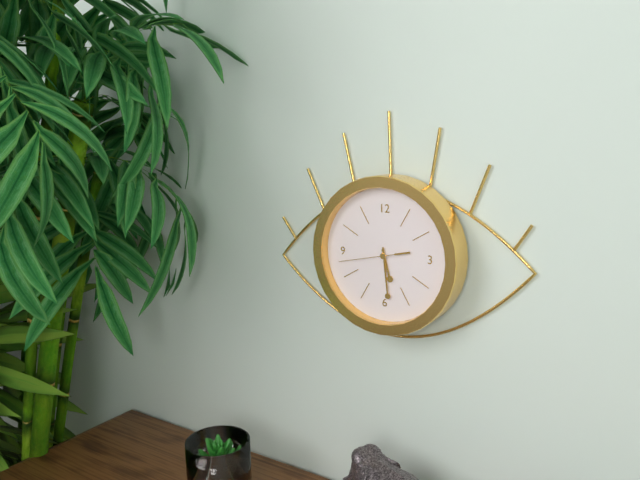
{"hour": 5, "minute": 29, "second": 43}
